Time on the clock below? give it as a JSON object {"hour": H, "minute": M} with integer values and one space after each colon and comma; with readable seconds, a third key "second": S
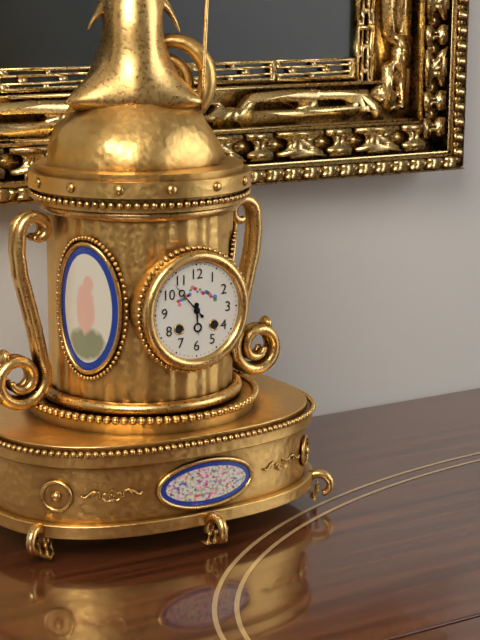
{"hour": 5, "minute": 53}
